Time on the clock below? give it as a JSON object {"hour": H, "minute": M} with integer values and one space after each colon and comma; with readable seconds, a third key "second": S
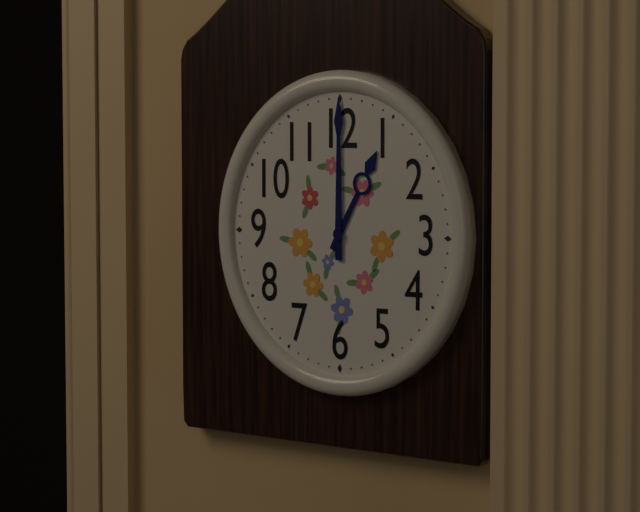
{"hour": 1, "minute": 0}
